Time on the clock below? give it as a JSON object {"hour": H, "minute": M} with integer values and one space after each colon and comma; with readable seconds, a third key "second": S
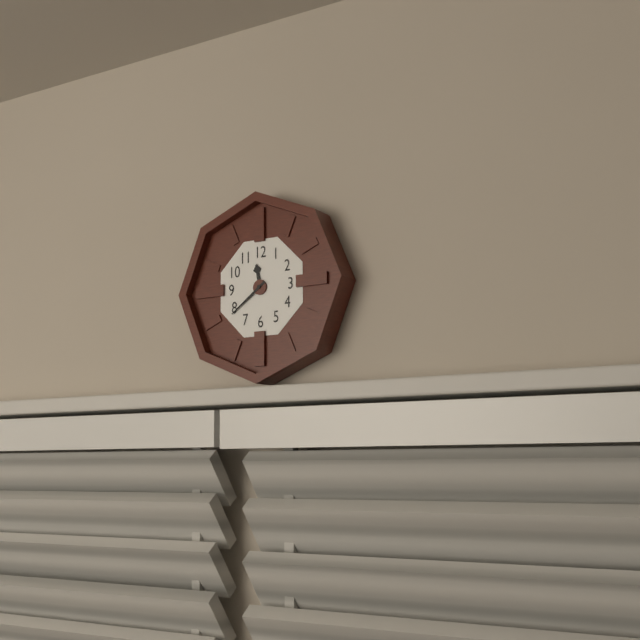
{"hour": 11, "minute": 39}
